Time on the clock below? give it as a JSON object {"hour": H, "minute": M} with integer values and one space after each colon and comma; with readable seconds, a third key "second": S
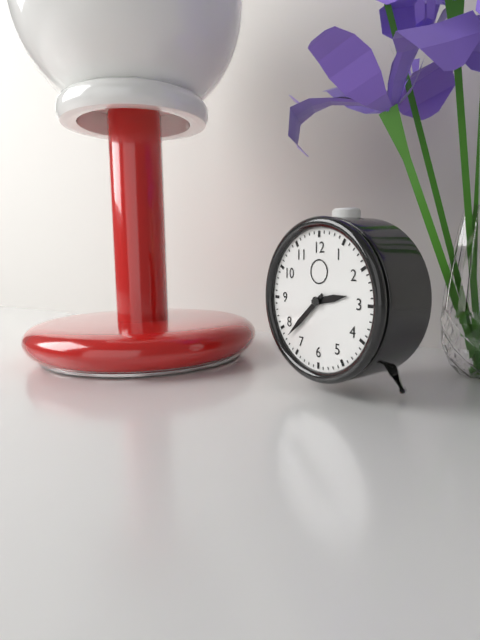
{"hour": 2, "minute": 38}
